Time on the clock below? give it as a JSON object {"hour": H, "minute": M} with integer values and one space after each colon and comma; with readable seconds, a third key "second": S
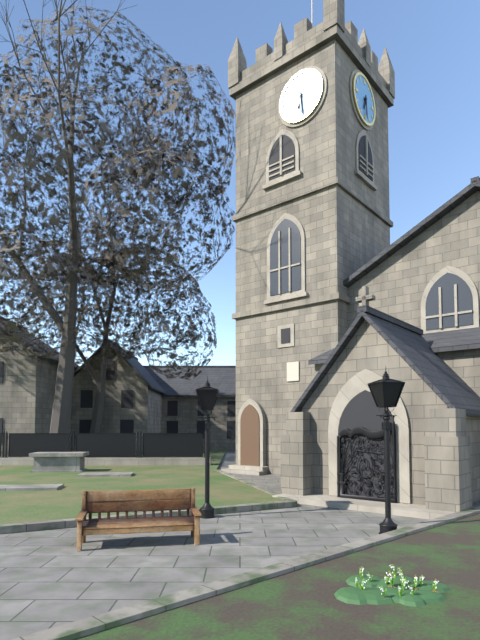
{"hour": 6, "minute": 29}
